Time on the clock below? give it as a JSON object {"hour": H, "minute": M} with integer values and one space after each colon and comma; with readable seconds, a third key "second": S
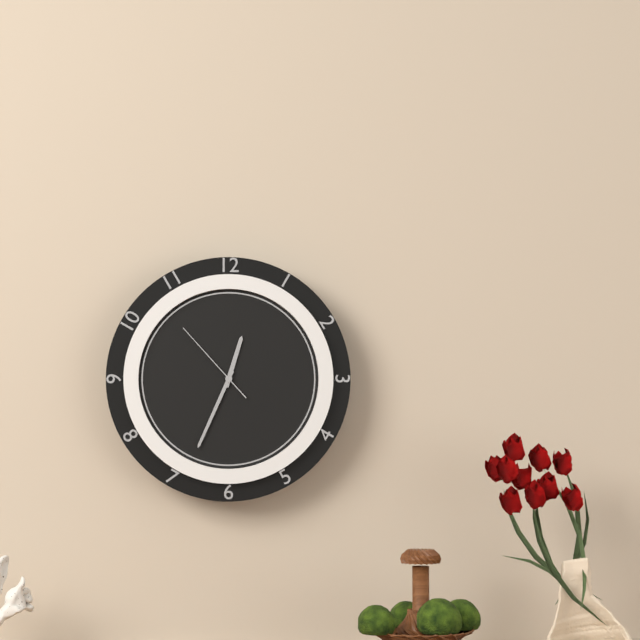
{"hour": 12, "minute": 34, "second": 53}
